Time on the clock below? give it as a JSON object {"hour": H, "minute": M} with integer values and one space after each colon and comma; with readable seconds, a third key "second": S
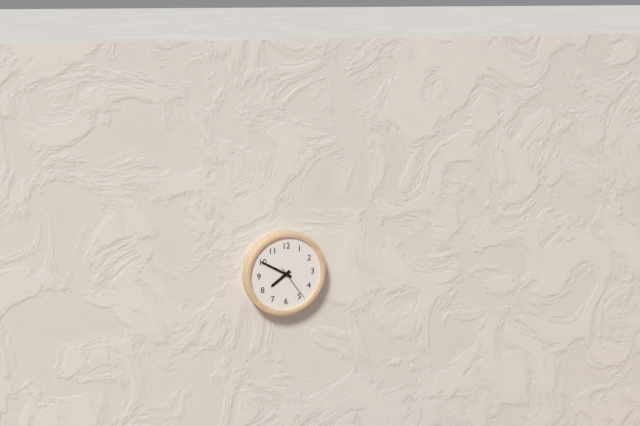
{"hour": 7, "minute": 50}
